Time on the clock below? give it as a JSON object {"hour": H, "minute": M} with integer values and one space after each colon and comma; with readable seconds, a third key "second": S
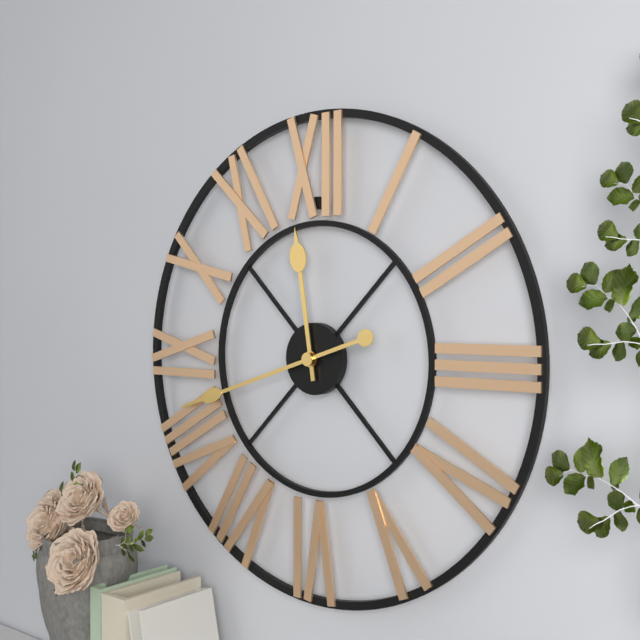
{"hour": 11, "minute": 42}
